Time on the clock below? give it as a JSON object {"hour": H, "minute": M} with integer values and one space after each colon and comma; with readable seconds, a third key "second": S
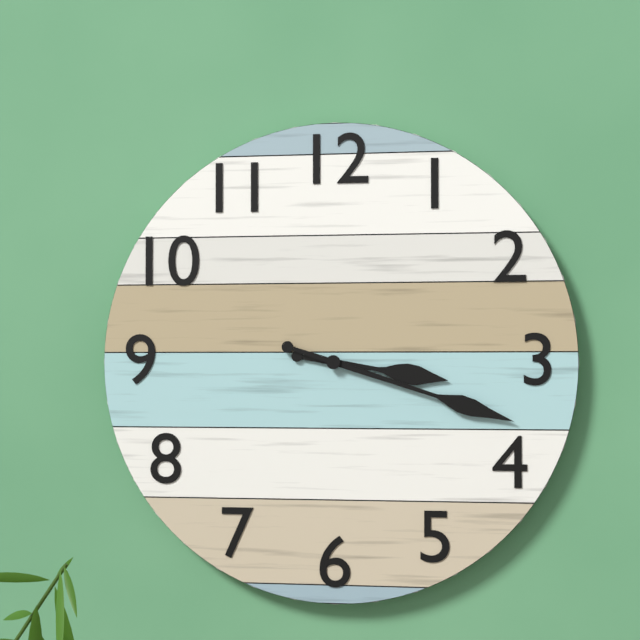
{"hour": 3, "minute": 18}
